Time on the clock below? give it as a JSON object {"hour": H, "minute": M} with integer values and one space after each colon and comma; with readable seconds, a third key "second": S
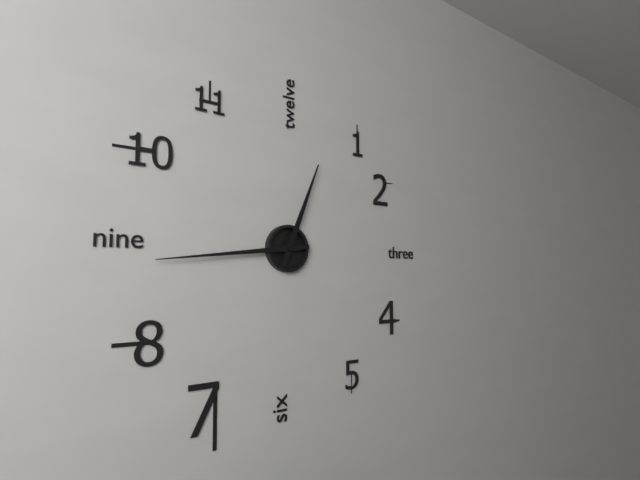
{"hour": 12, "minute": 44}
